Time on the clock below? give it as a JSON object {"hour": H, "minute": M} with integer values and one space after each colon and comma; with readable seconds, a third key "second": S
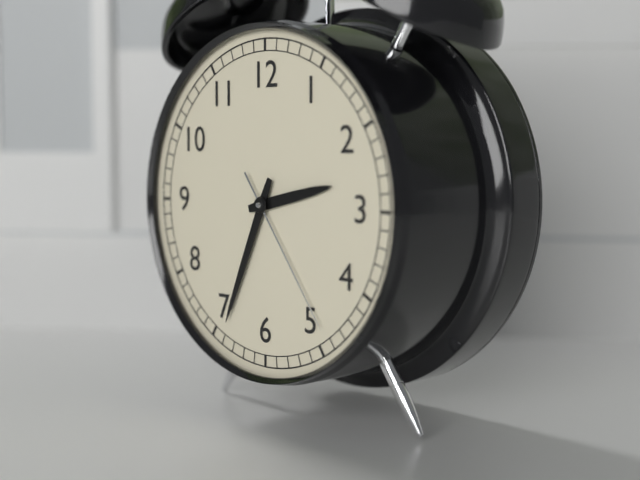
{"hour": 2, "minute": 34, "second": 24}
